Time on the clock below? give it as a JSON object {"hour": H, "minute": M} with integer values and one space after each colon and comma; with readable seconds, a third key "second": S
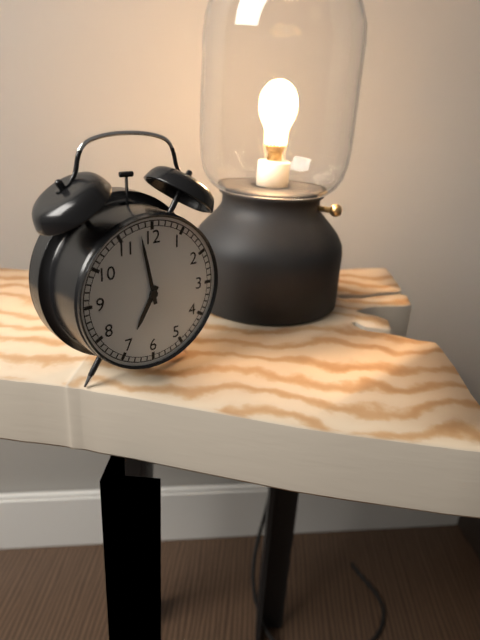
{"hour": 6, "minute": 58}
